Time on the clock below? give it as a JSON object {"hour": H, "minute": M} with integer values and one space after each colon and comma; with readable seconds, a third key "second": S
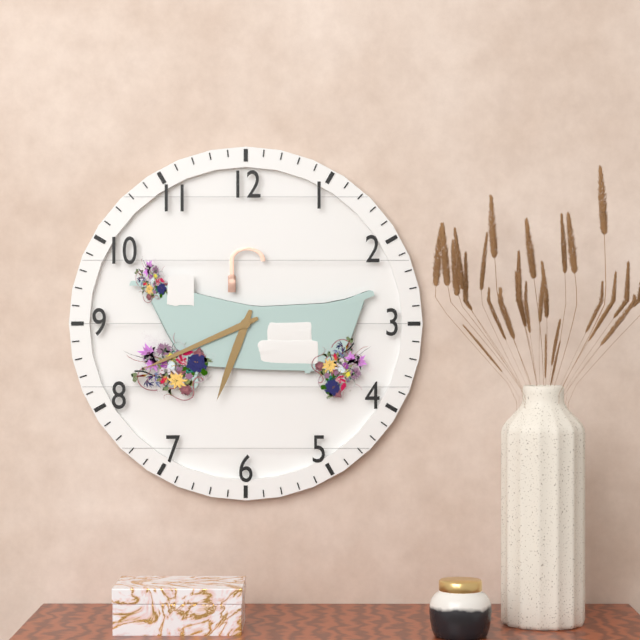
{"hour": 6, "minute": 41}
